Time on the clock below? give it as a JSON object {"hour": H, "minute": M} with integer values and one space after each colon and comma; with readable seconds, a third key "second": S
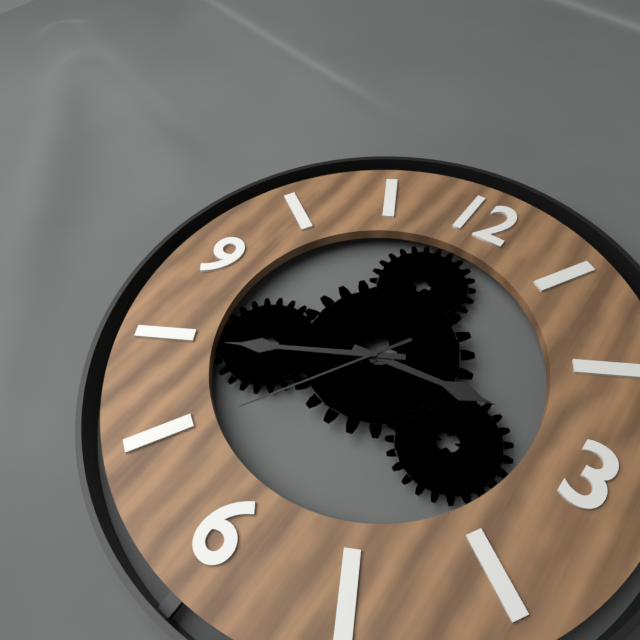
{"hour": 2, "minute": 40, "second": 35}
